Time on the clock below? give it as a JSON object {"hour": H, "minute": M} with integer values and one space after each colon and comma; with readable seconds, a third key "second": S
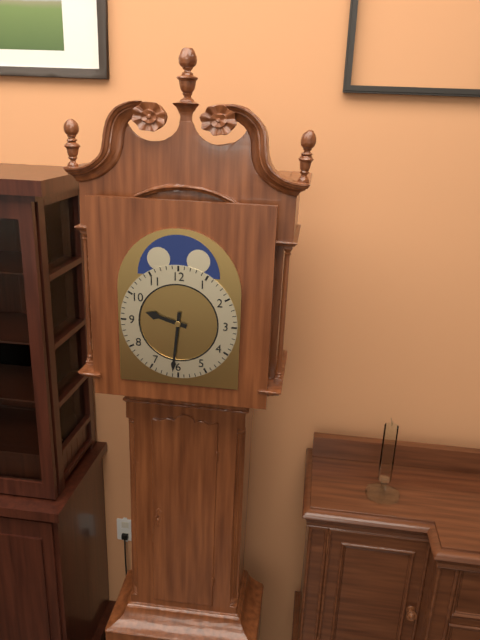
{"hour": 9, "minute": 31}
